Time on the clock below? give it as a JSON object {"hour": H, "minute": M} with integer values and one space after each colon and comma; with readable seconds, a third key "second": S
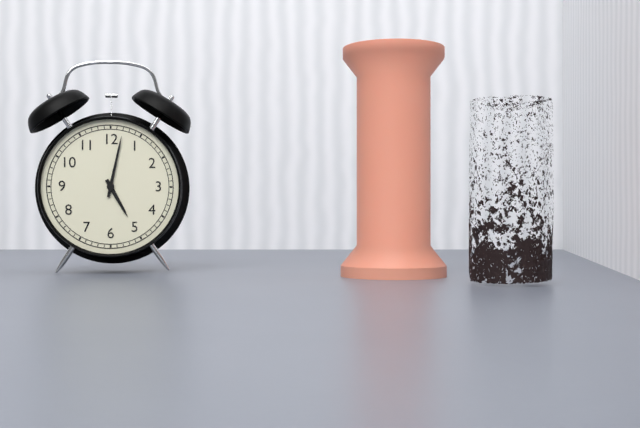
{"hour": 5, "minute": 2}
